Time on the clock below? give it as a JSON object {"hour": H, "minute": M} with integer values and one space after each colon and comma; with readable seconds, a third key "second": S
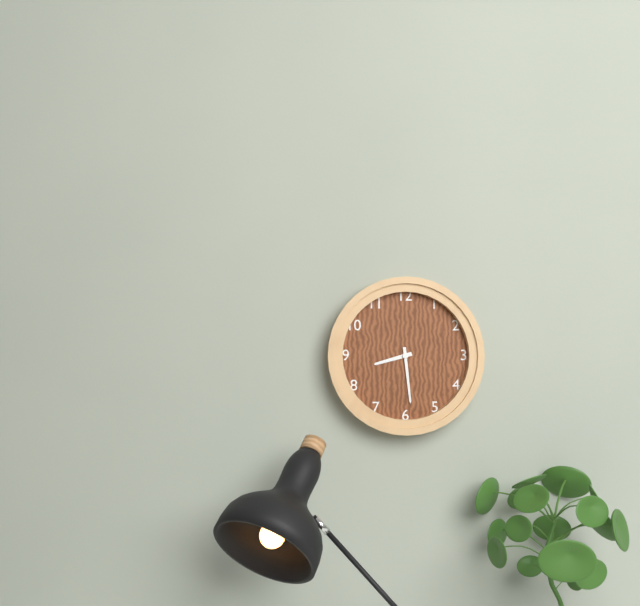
{"hour": 8, "minute": 29}
